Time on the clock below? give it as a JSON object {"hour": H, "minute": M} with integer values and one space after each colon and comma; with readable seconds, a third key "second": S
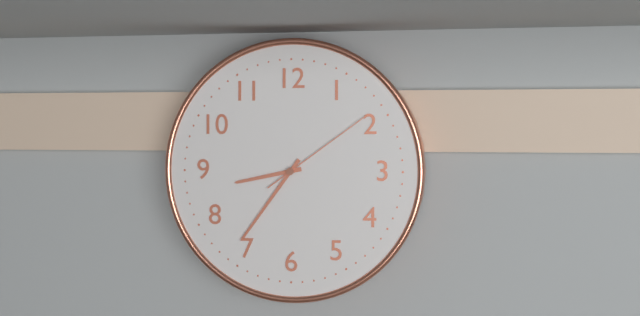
{"hour": 8, "minute": 36, "second": 9}
